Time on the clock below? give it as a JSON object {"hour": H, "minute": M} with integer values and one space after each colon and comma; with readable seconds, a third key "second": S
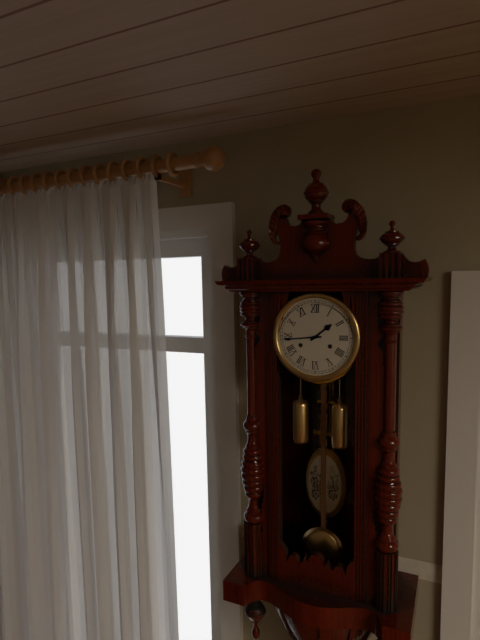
{"hour": 1, "minute": 44}
